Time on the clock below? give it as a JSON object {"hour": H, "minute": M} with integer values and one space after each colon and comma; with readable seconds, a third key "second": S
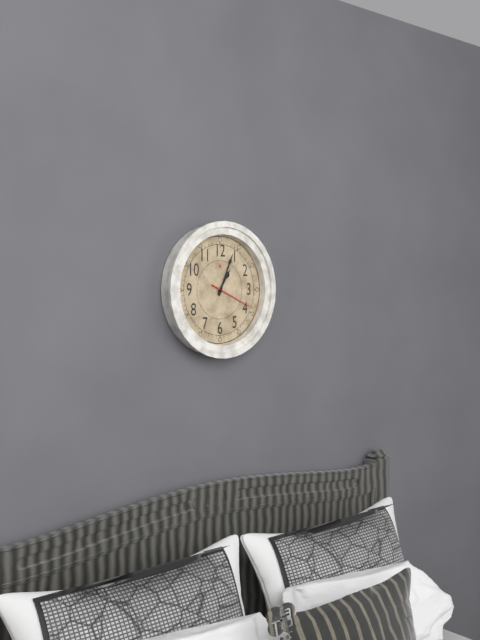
{"hour": 1, "minute": 4}
